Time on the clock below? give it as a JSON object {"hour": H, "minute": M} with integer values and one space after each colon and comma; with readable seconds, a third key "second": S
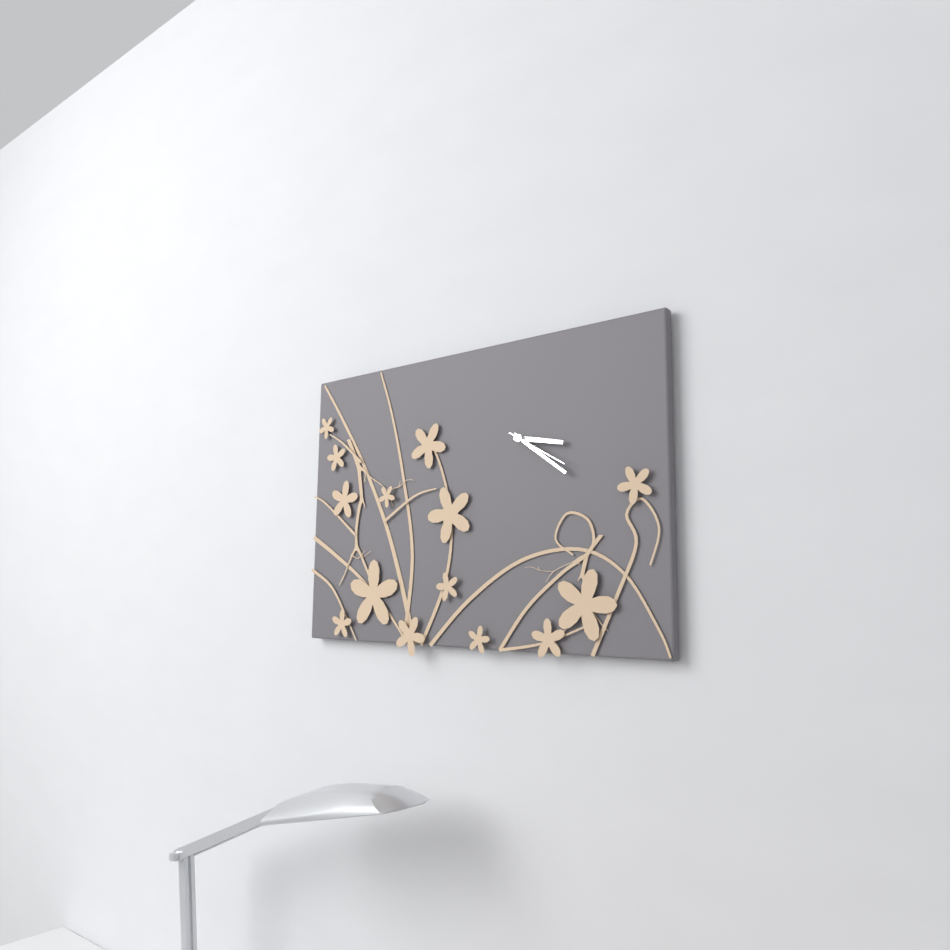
{"hour": 3, "minute": 21, "second": 20}
